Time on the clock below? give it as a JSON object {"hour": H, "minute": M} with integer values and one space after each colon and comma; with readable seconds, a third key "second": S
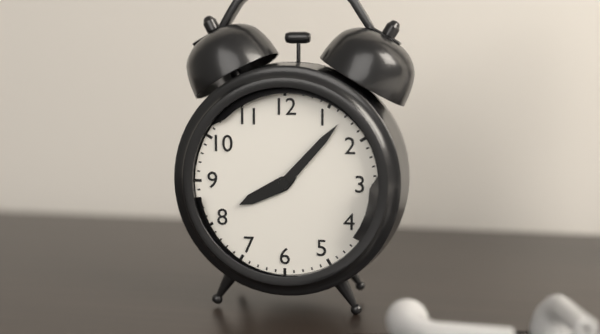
{"hour": 8, "minute": 7}
